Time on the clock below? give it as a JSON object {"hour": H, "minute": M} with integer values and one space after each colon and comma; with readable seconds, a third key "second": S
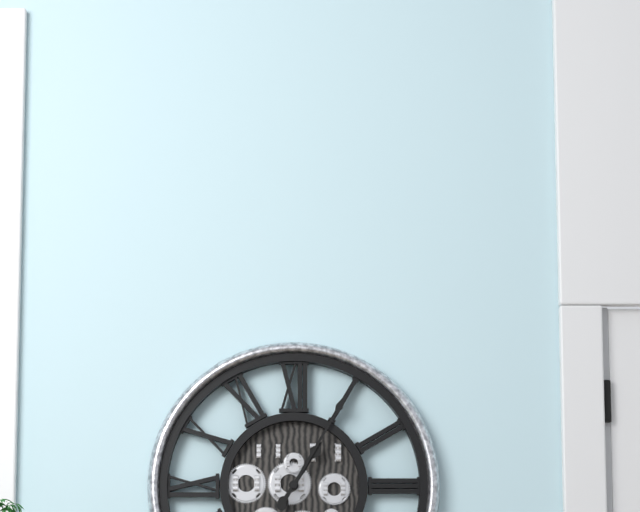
{"hour": 1, "minute": 5}
